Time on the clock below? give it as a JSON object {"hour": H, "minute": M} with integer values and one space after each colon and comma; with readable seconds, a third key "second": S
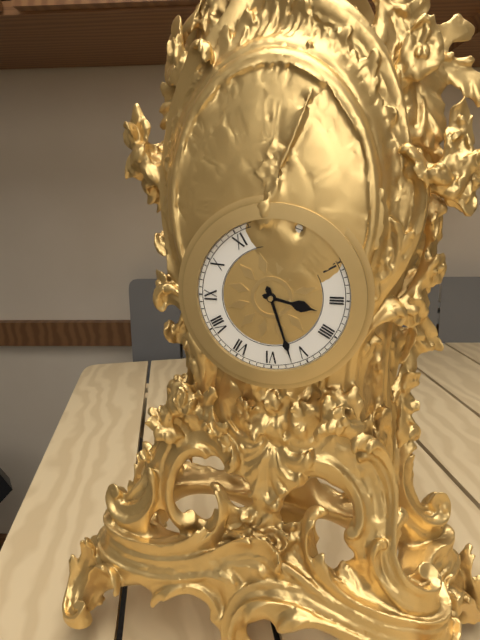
{"hour": 3, "minute": 27}
